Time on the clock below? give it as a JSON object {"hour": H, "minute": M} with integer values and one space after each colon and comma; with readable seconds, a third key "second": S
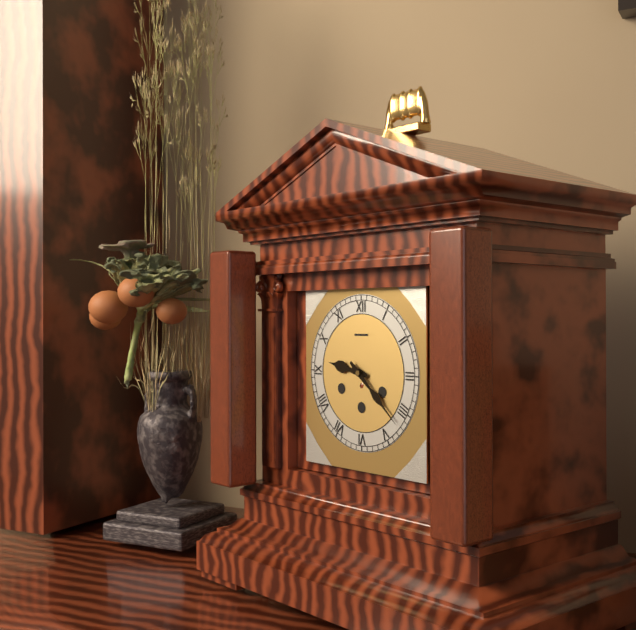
{"hour": 9, "minute": 22}
